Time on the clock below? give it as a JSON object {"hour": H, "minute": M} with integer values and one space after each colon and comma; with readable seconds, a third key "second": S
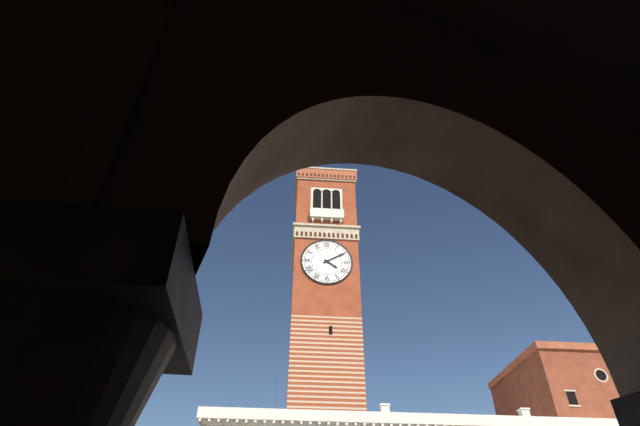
{"hour": 4, "minute": 10}
